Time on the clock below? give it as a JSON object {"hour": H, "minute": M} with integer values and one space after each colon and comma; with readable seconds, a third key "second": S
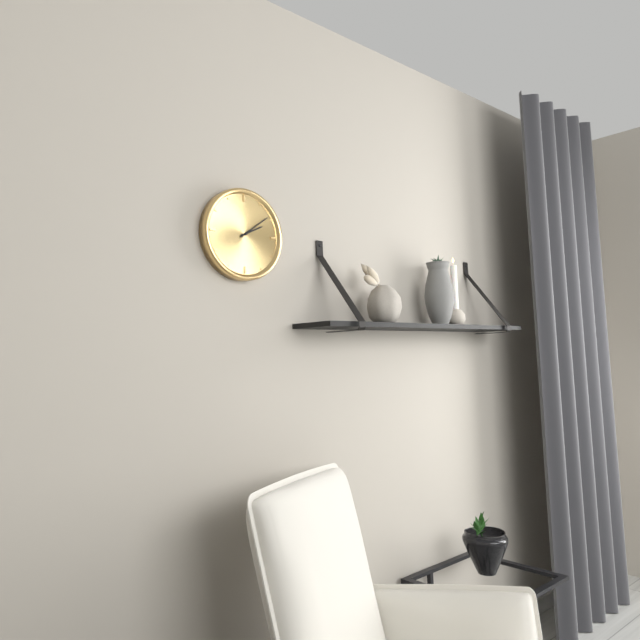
{"hour": 2, "minute": 9}
